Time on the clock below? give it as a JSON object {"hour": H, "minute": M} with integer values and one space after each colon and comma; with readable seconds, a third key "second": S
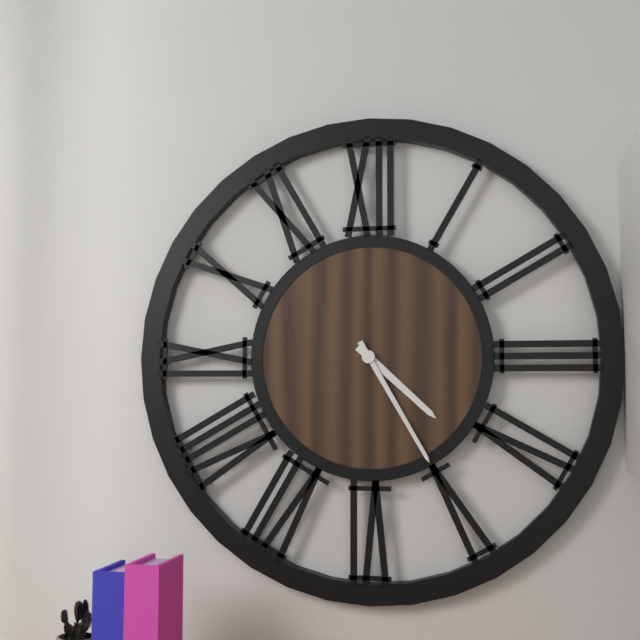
{"hour": 4, "minute": 25}
